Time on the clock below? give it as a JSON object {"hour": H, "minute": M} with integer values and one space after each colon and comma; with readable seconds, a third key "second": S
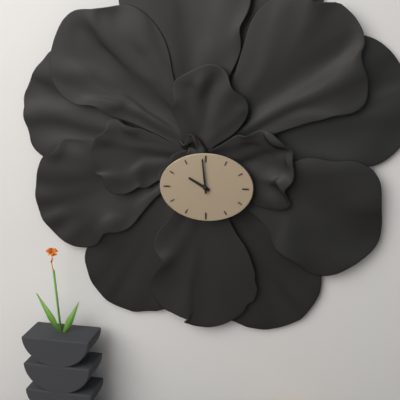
{"hour": 9, "minute": 59}
